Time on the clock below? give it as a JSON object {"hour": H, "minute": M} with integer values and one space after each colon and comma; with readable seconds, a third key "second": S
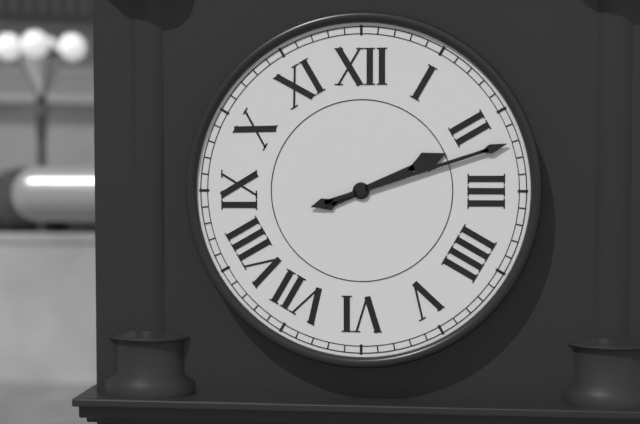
{"hour": 2, "minute": 12}
